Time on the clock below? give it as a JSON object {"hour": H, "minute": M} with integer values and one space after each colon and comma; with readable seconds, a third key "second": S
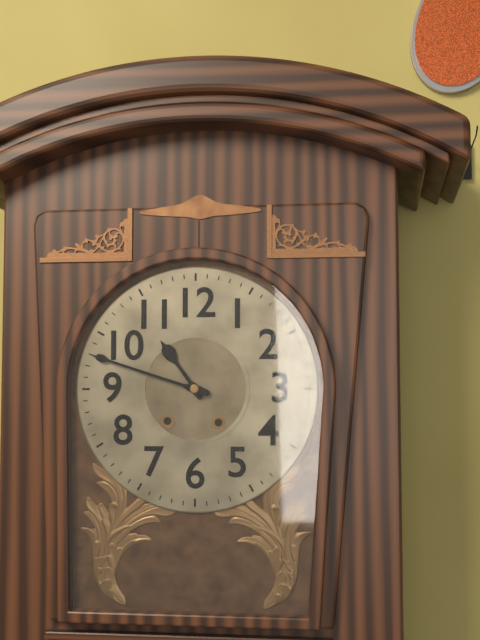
{"hour": 10, "minute": 48}
